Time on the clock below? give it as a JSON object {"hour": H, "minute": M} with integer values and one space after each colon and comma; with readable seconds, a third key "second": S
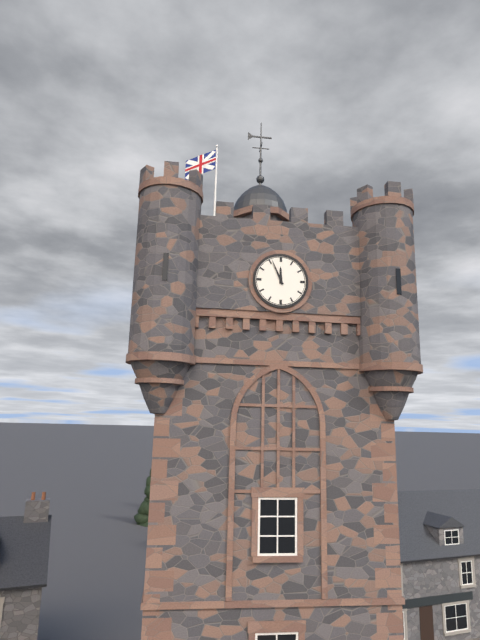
{"hour": 11, "minute": 56}
